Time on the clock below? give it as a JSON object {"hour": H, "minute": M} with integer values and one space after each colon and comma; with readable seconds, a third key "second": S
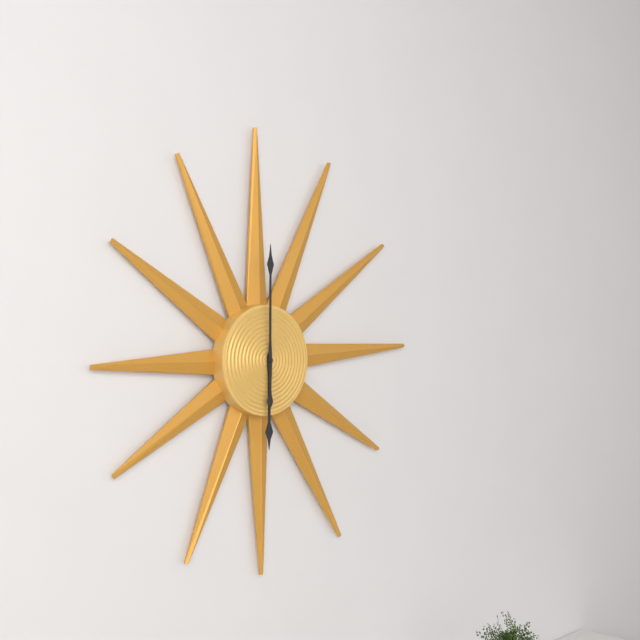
{"hour": 6, "minute": 0}
